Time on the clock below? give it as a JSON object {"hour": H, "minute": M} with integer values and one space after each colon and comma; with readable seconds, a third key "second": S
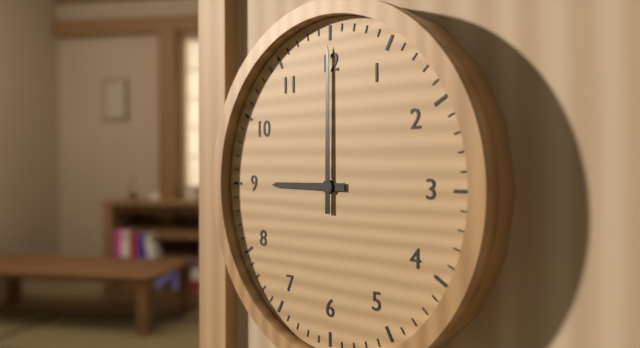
{"hour": 9, "minute": 0}
